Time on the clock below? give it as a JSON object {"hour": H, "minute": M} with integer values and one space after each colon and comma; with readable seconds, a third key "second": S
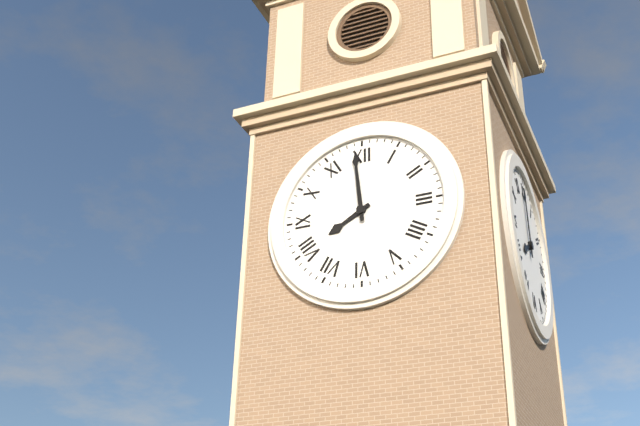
{"hour": 7, "minute": 59}
